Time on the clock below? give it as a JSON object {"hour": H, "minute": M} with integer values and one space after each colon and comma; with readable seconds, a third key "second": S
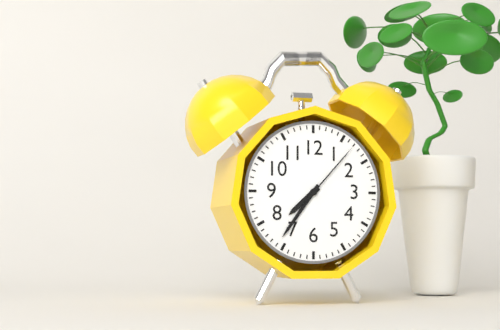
{"hour": 7, "minute": 36, "second": 7}
